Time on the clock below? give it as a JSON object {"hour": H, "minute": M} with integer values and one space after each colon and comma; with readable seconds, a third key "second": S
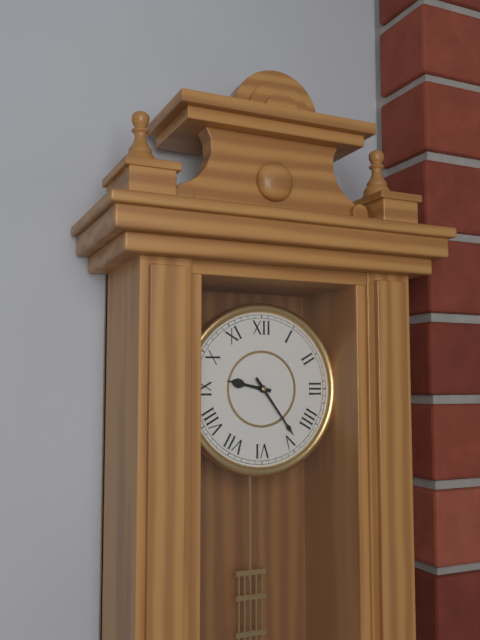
{"hour": 9, "minute": 24}
